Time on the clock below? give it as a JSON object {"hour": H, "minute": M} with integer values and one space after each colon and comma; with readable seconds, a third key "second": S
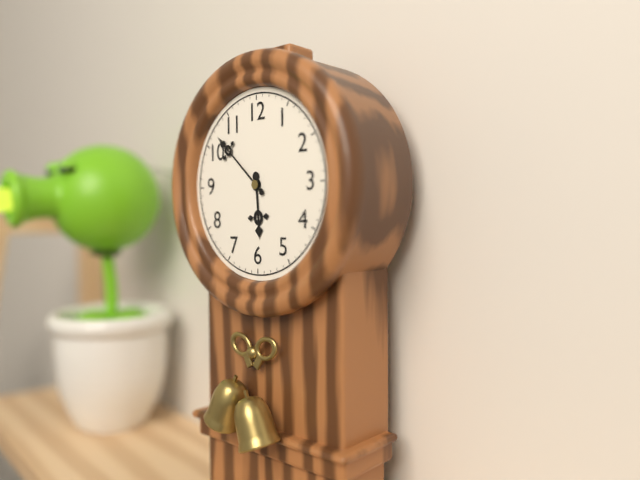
{"hour": 5, "minute": 52}
